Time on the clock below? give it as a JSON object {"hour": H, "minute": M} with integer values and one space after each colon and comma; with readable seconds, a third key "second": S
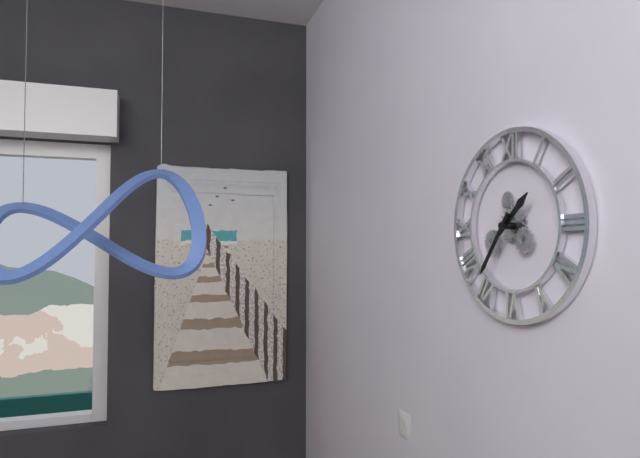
{"hour": 1, "minute": 36}
